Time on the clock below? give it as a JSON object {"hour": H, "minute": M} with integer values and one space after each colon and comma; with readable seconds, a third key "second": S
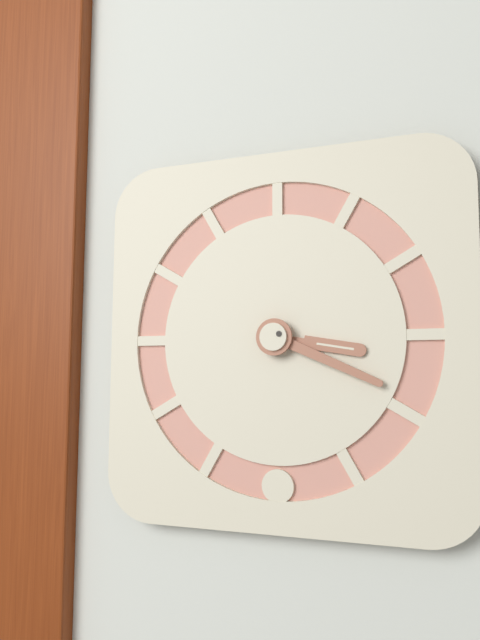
{"hour": 3, "minute": 19}
